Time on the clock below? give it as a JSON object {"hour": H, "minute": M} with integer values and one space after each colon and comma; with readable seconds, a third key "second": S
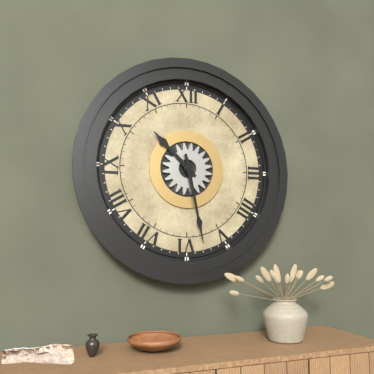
{"hour": 10, "minute": 28}
